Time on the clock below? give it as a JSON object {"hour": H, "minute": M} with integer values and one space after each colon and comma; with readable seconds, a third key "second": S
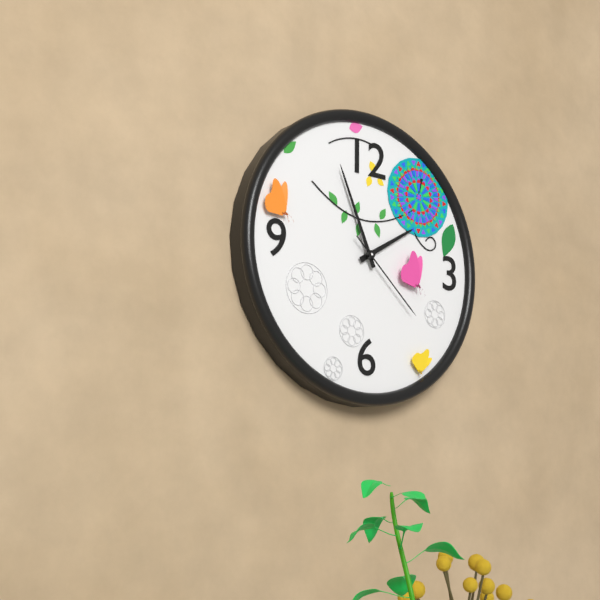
{"hour": 1, "minute": 56, "second": 22}
